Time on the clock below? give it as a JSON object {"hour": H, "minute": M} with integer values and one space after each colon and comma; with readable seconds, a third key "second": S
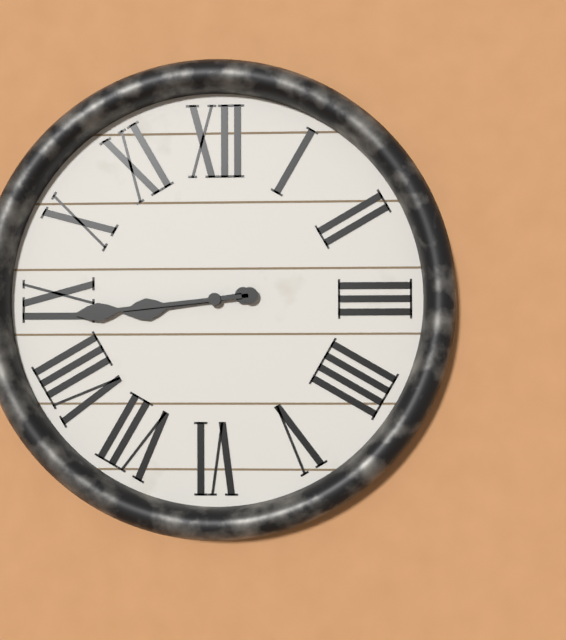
{"hour": 8, "minute": 44}
